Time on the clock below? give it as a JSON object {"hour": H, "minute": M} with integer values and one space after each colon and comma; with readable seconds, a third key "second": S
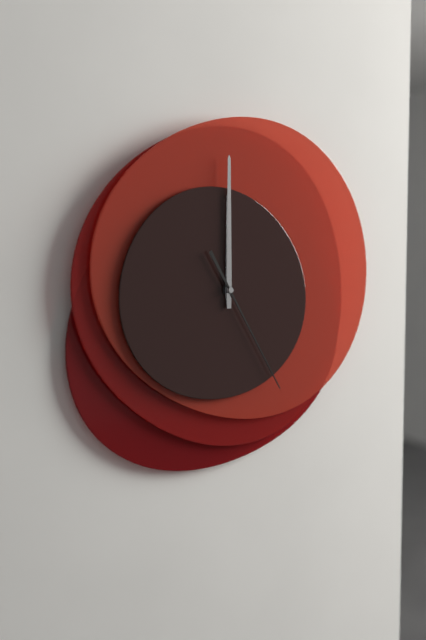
{"hour": 12, "minute": 0, "second": 25}
